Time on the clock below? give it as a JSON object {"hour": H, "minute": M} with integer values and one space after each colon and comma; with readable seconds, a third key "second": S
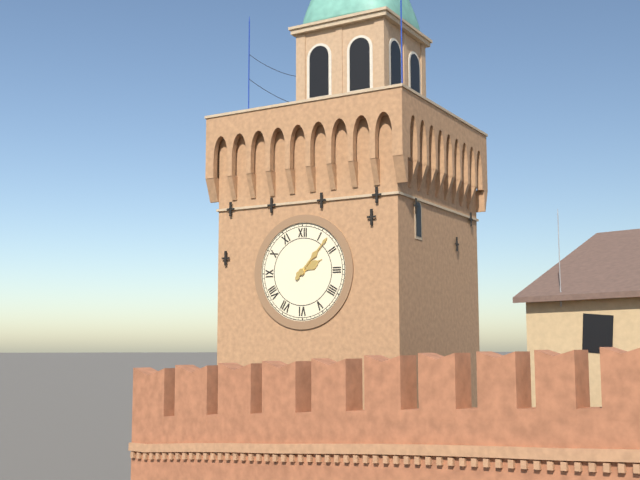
{"hour": 2, "minute": 7}
